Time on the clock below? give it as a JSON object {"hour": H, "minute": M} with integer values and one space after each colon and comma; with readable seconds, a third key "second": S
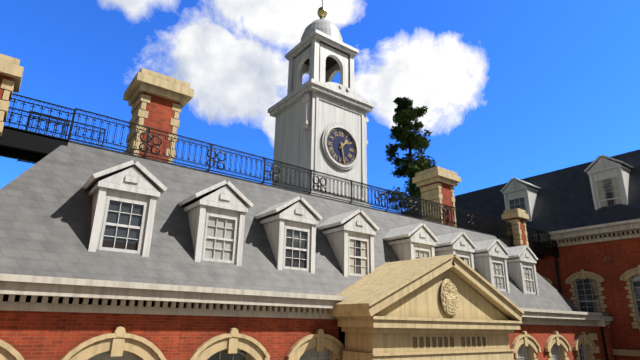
{"hour": 1, "minute": 28}
